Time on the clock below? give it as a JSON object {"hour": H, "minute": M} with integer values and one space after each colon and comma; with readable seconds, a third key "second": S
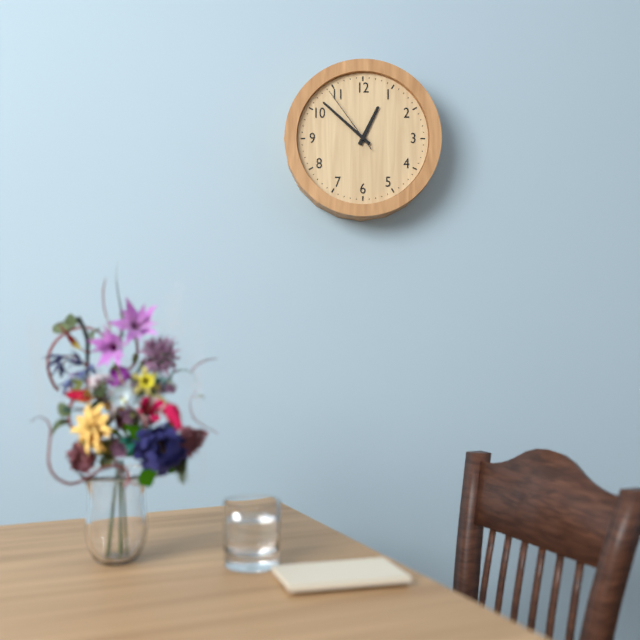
{"hour": 12, "minute": 52, "second": 54}
